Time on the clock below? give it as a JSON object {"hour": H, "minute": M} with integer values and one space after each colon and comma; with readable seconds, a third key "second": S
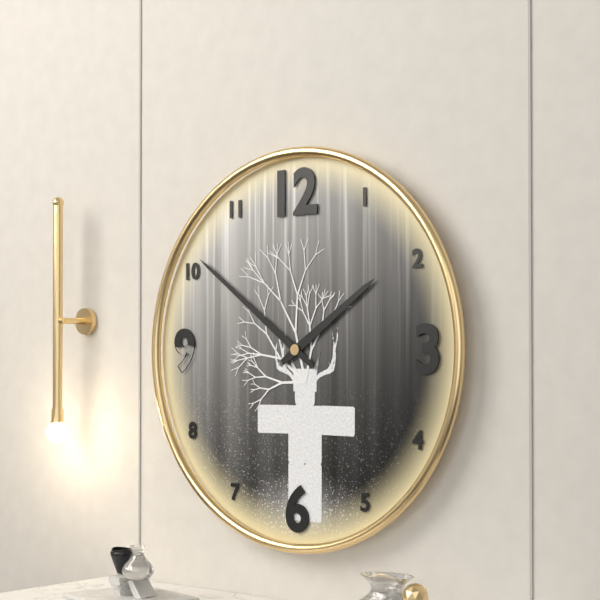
{"hour": 1, "minute": 51}
